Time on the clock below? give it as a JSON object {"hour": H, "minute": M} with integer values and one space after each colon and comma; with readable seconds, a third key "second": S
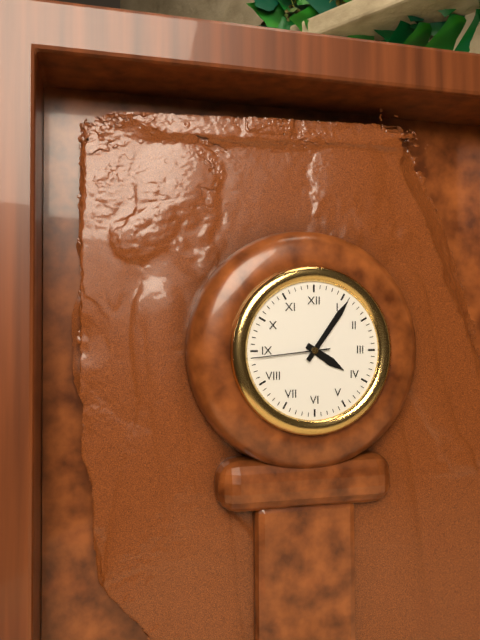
{"hour": 4, "minute": 6, "second": 44}
